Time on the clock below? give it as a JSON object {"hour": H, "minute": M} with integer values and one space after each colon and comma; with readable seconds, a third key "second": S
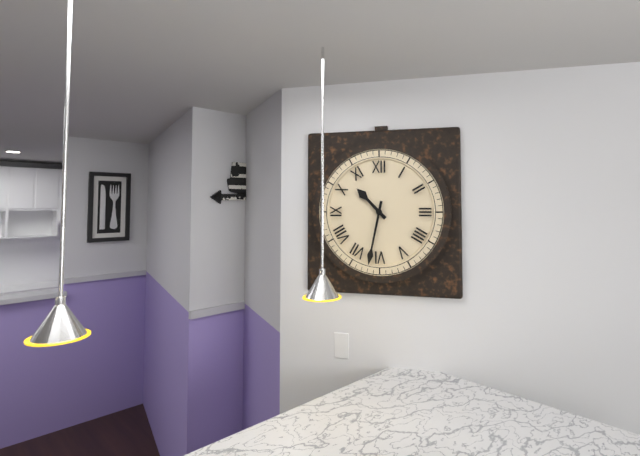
{"hour": 10, "minute": 32}
